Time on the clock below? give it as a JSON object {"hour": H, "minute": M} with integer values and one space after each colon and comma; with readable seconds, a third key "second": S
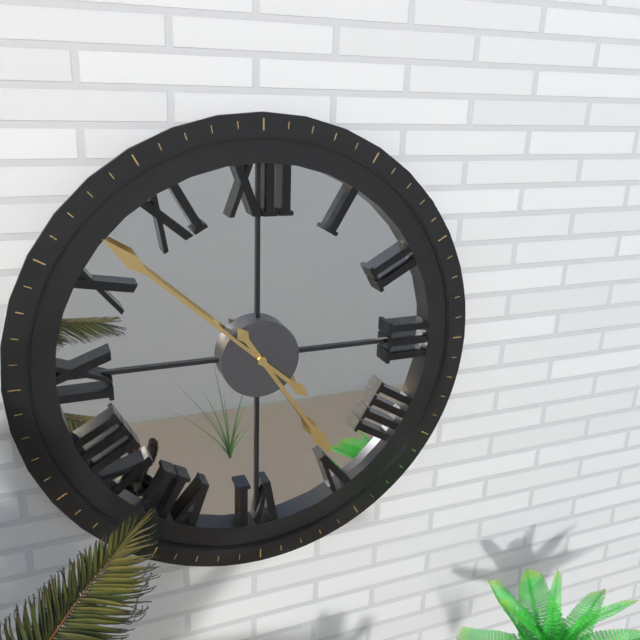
{"hour": 4, "minute": 52}
